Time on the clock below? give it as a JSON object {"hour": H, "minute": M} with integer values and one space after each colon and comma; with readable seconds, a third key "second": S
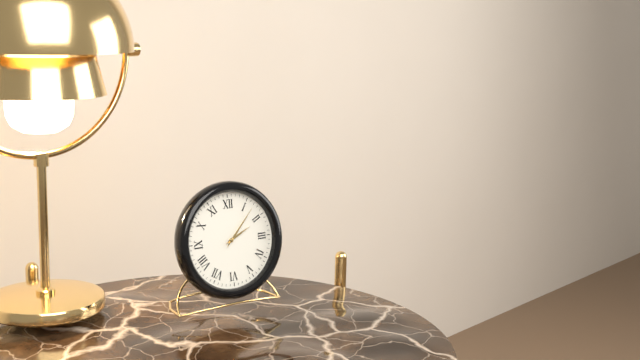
{"hour": 2, "minute": 7}
